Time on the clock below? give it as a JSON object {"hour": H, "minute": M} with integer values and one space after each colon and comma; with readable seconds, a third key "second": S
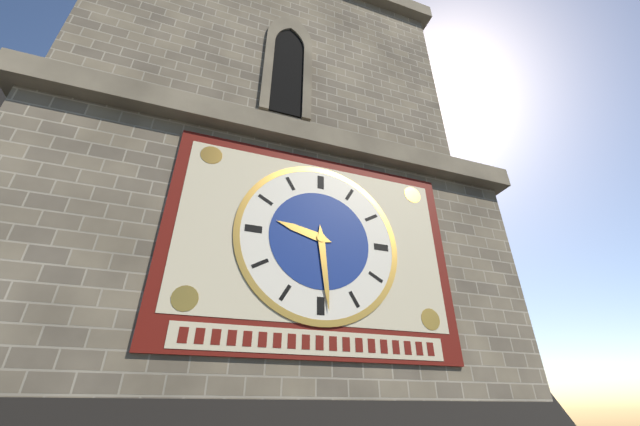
{"hour": 9, "minute": 29}
